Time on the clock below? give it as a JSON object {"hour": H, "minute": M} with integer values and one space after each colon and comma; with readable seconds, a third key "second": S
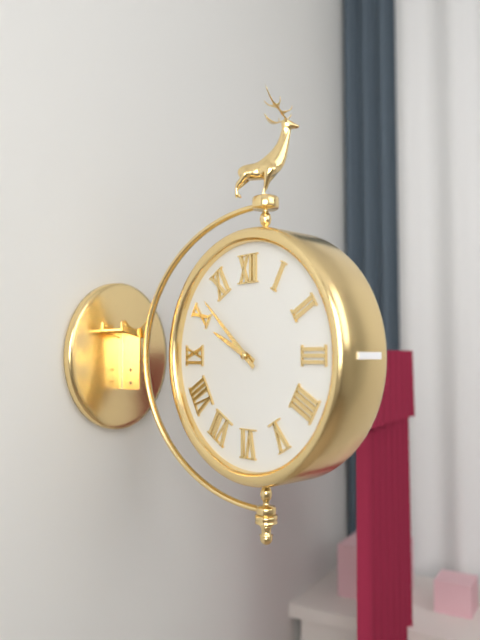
{"hour": 9, "minute": 52}
